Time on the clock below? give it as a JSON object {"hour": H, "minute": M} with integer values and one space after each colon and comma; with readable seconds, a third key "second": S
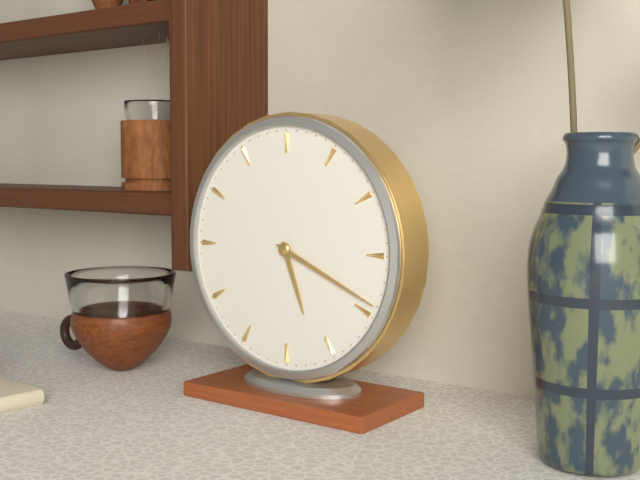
{"hour": 5, "minute": 19}
